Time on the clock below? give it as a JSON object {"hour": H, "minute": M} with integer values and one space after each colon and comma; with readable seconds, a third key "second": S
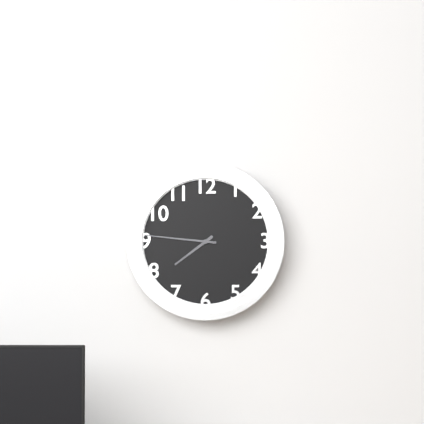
{"hour": 7, "minute": 46}
